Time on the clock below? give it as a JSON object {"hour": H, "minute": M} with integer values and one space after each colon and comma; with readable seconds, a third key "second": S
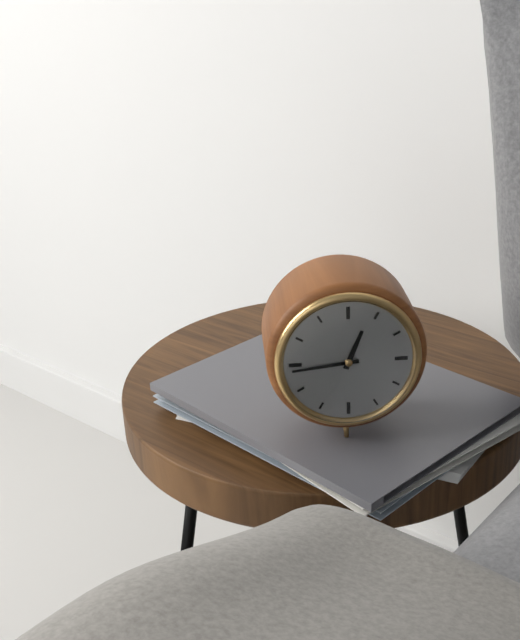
{"hour": 12, "minute": 44}
